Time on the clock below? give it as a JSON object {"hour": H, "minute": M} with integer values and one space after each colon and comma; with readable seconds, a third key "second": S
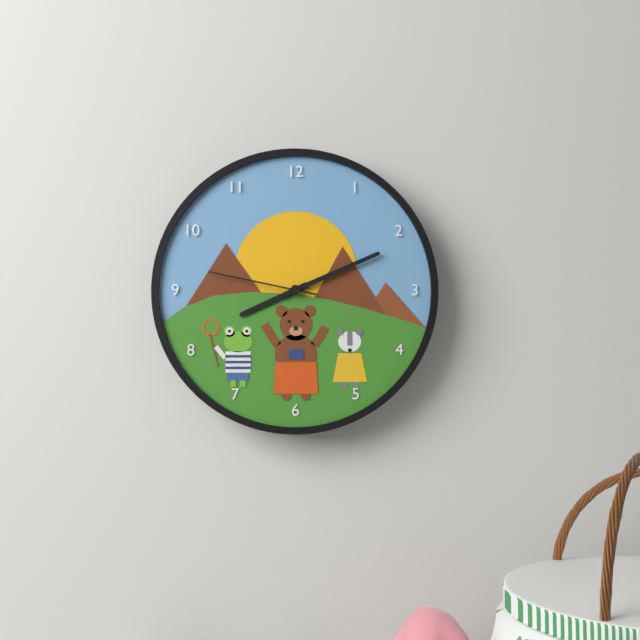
{"hour": 8, "minute": 11, "second": 47}
